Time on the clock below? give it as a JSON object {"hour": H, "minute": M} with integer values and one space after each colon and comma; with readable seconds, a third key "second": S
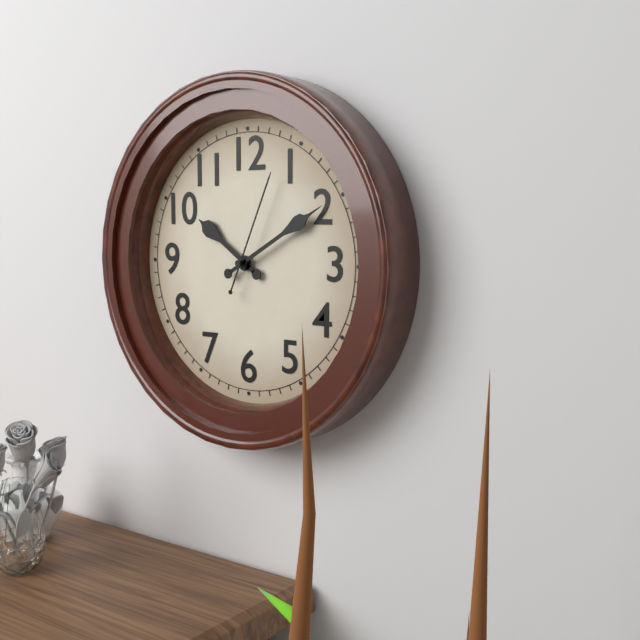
{"hour": 10, "minute": 10, "second": 4}
